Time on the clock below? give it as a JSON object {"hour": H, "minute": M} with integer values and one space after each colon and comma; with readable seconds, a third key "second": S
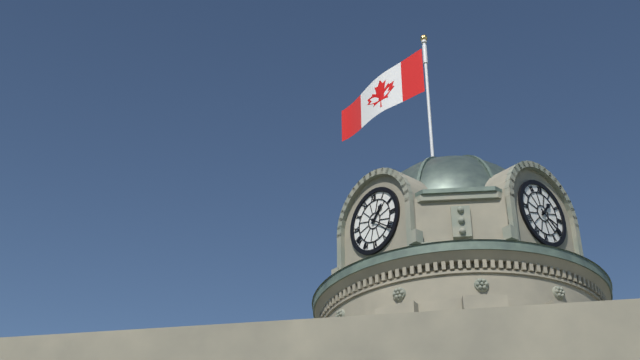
{"hour": 1, "minute": 21}
